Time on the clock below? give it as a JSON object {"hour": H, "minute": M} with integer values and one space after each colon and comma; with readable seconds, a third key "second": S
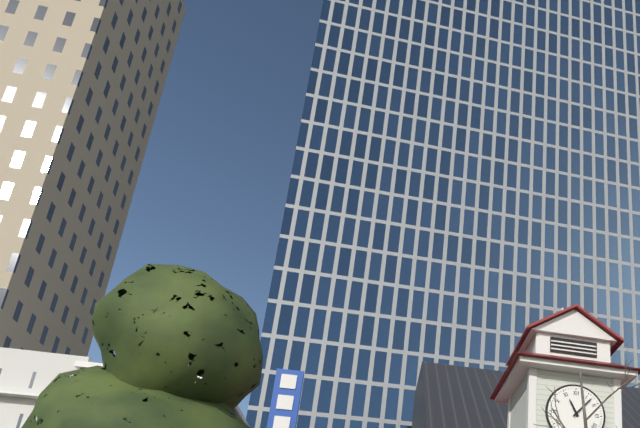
{"hour": 11, "minute": 7}
